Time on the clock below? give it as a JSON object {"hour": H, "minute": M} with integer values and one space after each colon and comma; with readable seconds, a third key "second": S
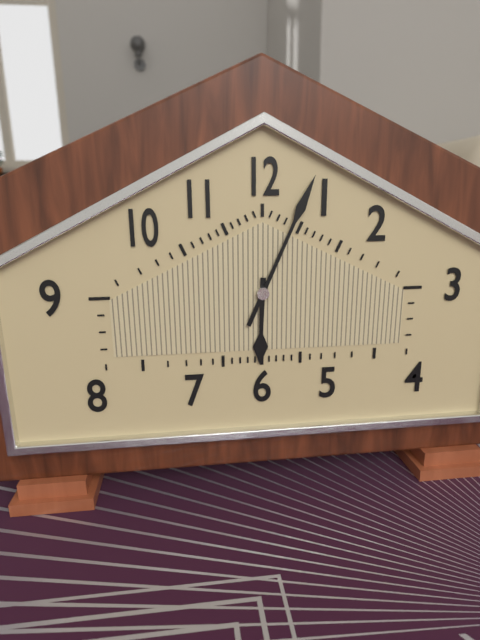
{"hour": 6, "minute": 4}
